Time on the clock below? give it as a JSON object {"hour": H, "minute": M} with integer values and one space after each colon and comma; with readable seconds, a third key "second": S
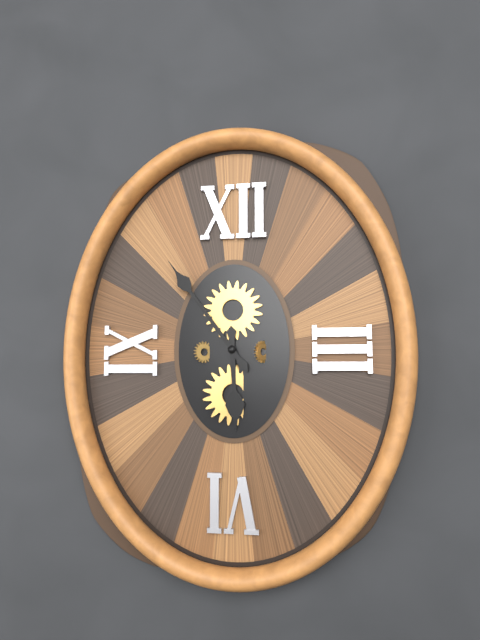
{"hour": 5, "minute": 54}
